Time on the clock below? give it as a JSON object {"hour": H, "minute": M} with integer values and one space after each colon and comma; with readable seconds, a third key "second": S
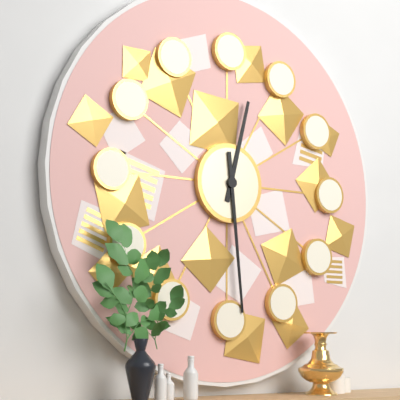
{"hour": 12, "minute": 29}
